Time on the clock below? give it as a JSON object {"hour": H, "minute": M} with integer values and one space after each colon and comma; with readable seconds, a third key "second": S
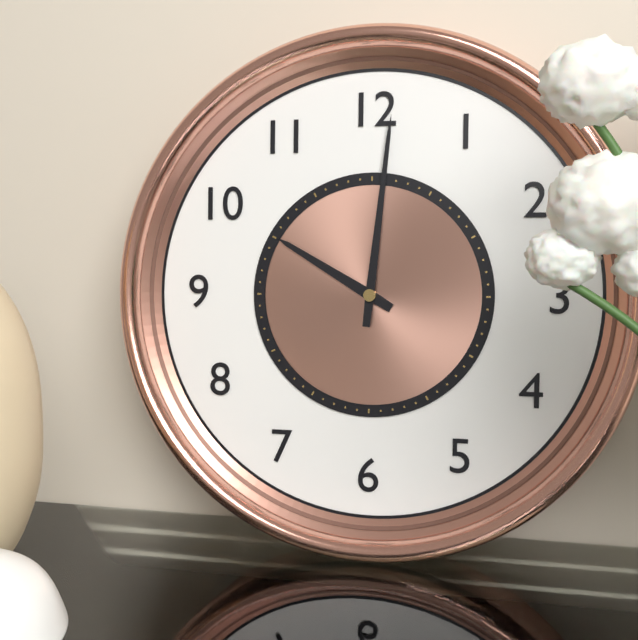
{"hour": 10, "minute": 1}
